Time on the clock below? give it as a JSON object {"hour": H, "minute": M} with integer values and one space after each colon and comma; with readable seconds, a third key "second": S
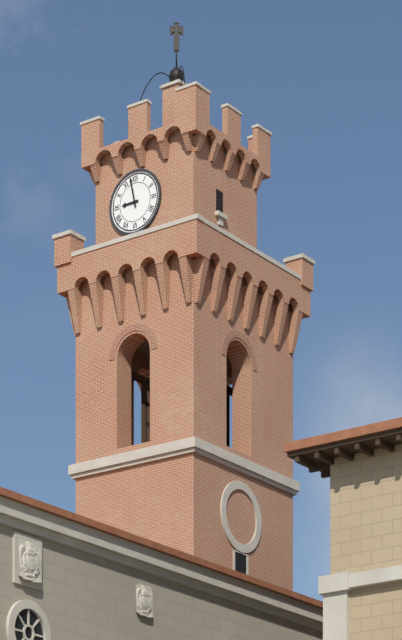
{"hour": 8, "minute": 58}
